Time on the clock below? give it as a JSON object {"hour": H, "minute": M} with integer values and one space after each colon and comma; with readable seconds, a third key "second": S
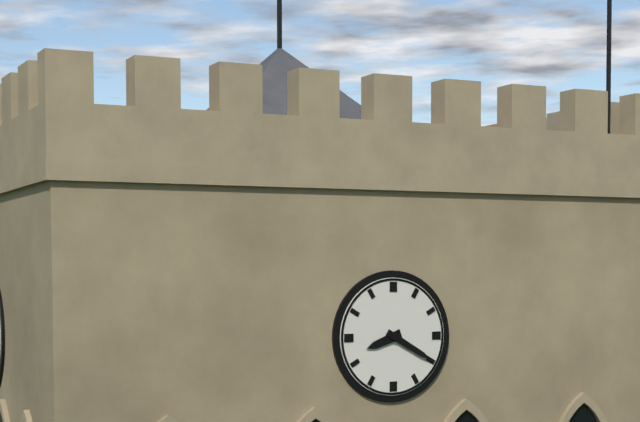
{"hour": 8, "minute": 20}
